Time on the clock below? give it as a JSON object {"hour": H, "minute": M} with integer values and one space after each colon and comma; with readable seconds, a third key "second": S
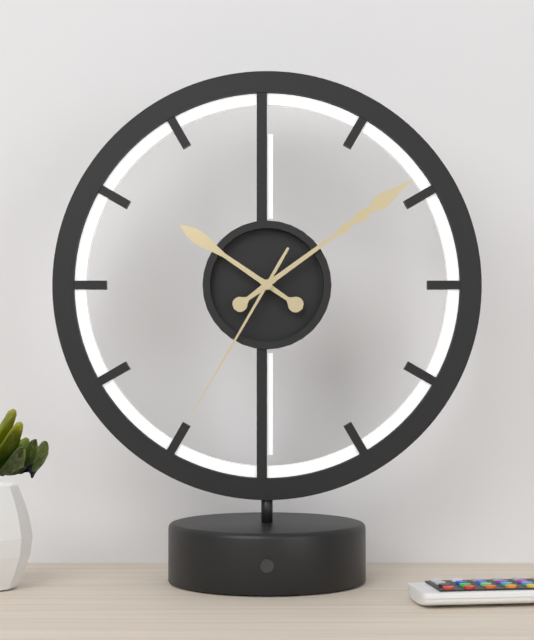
{"hour": 10, "minute": 9, "second": 35}
